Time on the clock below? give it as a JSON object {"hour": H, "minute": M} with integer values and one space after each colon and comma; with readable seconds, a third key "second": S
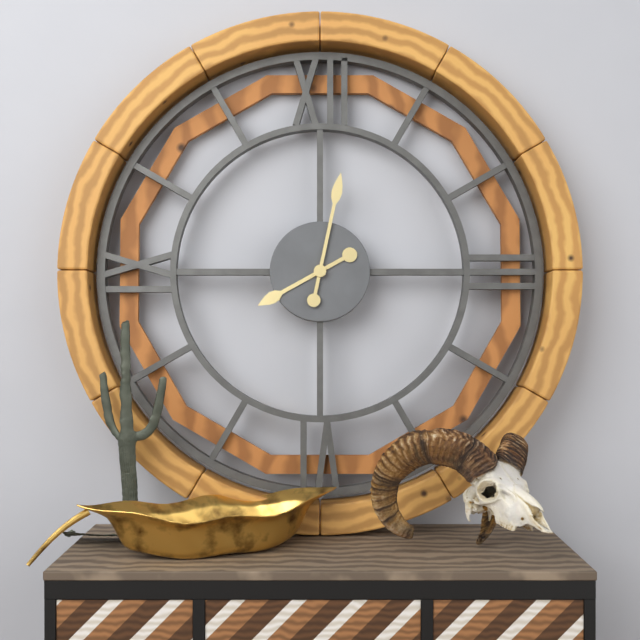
{"hour": 8, "minute": 2}
